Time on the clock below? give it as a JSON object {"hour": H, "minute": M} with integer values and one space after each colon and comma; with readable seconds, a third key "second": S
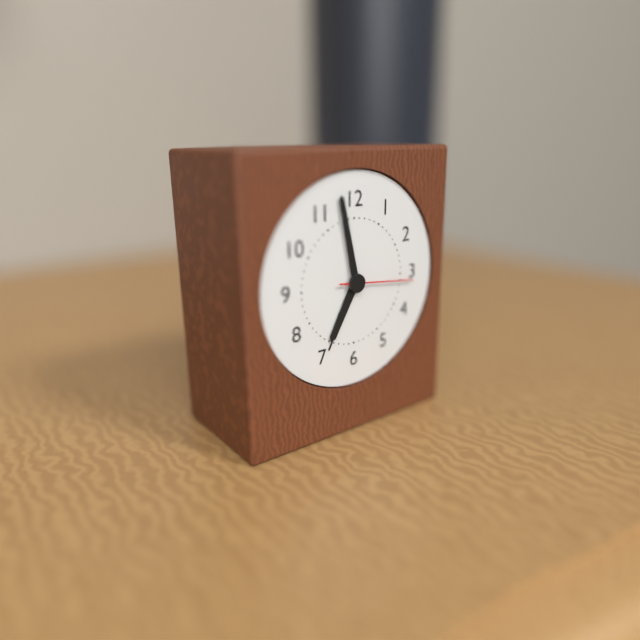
{"hour": 6, "minute": 58, "second": 16}
